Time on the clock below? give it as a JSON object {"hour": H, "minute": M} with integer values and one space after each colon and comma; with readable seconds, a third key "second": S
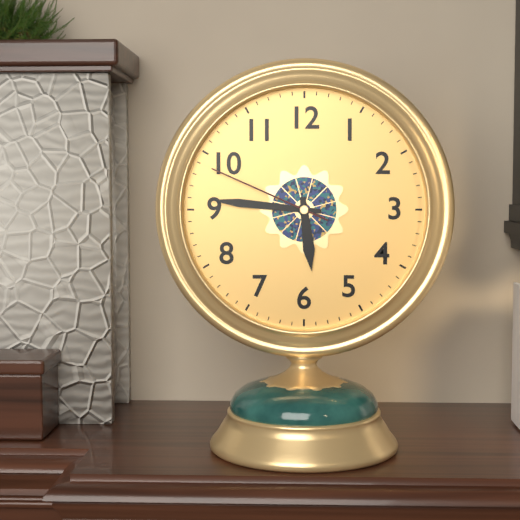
{"hour": 5, "minute": 46, "second": 49}
